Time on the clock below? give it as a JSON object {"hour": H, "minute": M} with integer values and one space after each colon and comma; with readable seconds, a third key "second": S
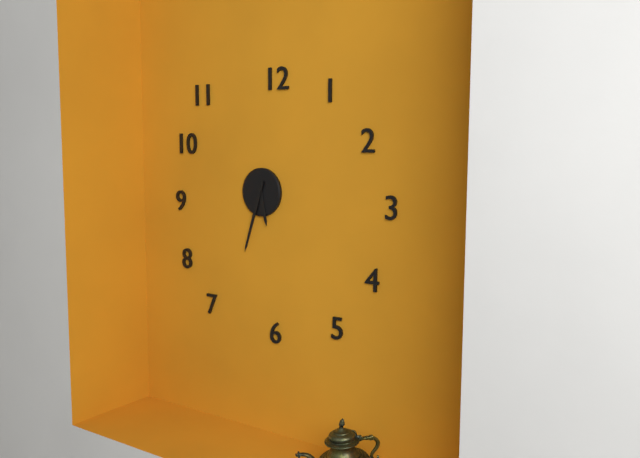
{"hour": 5, "minute": 33}
